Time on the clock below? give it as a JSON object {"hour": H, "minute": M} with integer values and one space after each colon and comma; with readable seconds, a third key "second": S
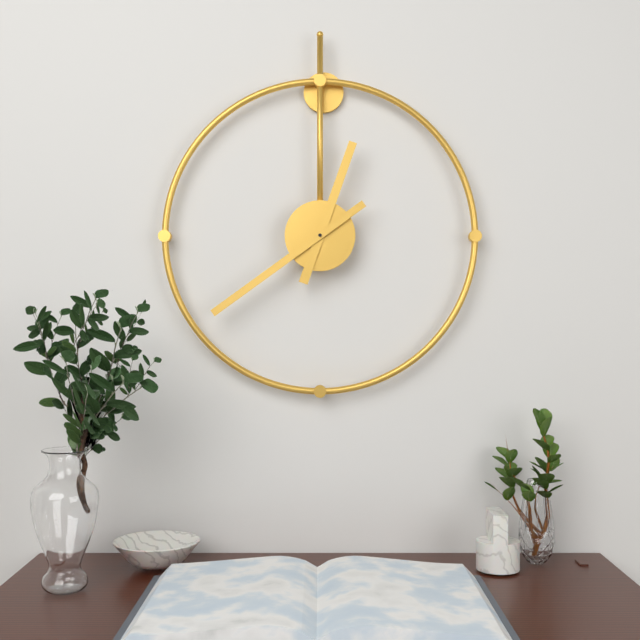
{"hour": 12, "minute": 39}
